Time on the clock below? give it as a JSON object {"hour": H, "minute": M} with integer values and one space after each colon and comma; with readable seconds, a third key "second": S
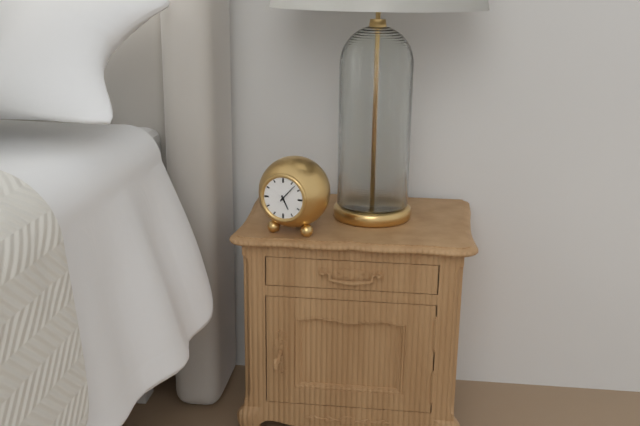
{"hour": 5, "minute": 7}
